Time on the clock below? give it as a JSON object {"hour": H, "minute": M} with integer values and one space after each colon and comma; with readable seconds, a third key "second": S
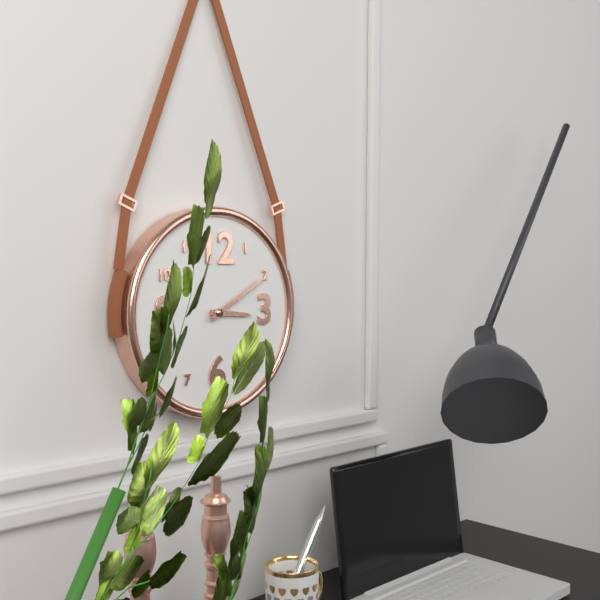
{"hour": 3, "minute": 10}
